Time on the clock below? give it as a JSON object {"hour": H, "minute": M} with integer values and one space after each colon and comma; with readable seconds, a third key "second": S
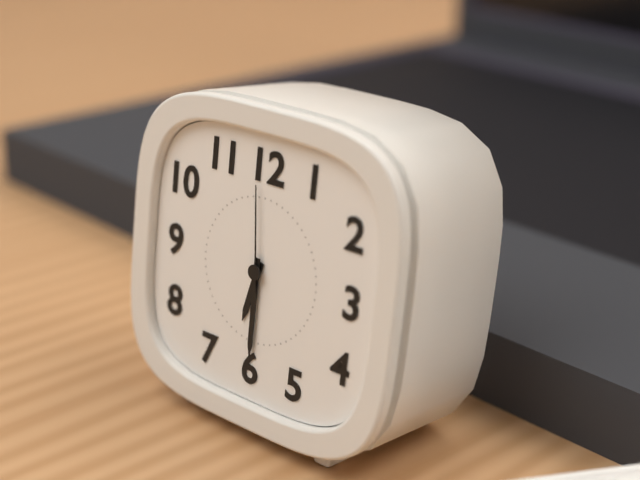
{"hour": 6, "minute": 30, "second": 59}
